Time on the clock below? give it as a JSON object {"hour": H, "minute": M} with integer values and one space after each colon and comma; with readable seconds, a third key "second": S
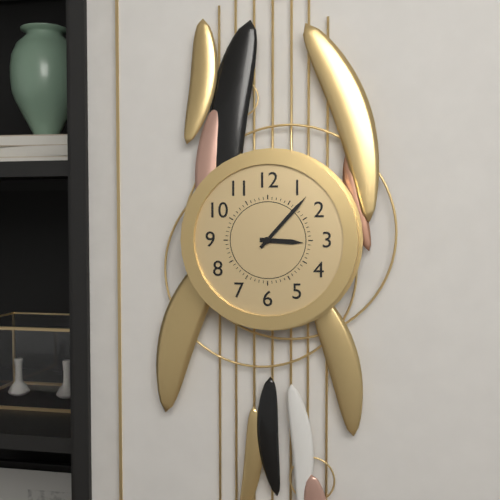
{"hour": 3, "minute": 7}
